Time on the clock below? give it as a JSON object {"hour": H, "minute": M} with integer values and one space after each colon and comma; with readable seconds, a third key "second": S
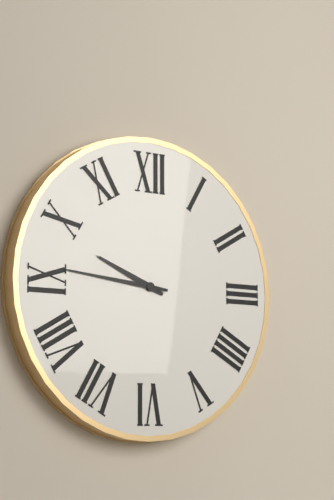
{"hour": 9, "minute": 46}
